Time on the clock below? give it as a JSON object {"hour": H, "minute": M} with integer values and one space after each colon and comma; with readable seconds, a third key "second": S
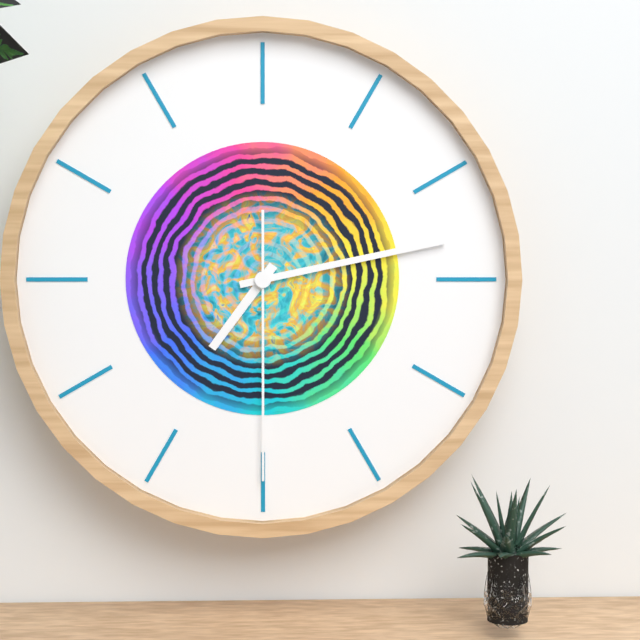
{"hour": 7, "minute": 13, "second": 30}
